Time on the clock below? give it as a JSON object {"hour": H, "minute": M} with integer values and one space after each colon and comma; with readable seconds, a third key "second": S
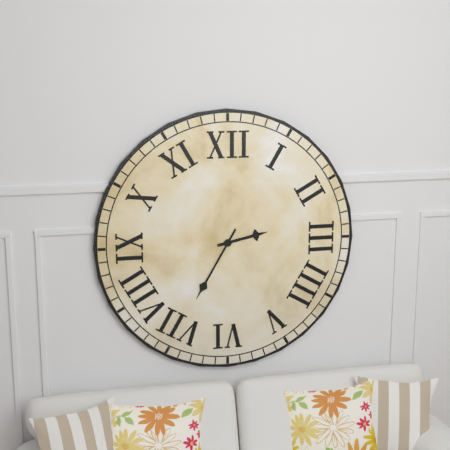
{"hour": 2, "minute": 35}
